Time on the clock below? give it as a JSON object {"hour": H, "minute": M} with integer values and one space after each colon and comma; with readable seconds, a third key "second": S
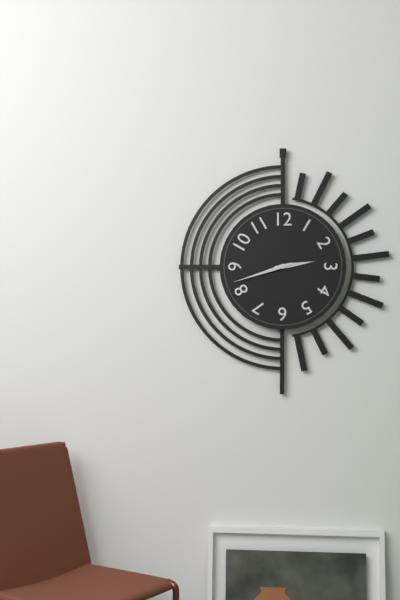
{"hour": 2, "minute": 42}
